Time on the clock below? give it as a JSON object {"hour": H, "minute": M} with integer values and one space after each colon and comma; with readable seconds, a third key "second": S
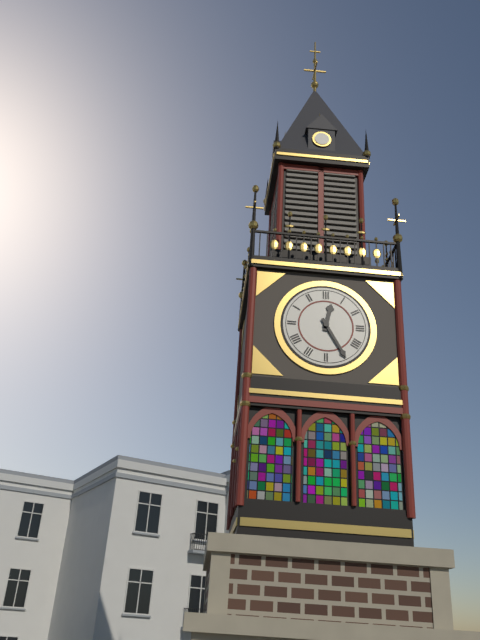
{"hour": 12, "minute": 25}
